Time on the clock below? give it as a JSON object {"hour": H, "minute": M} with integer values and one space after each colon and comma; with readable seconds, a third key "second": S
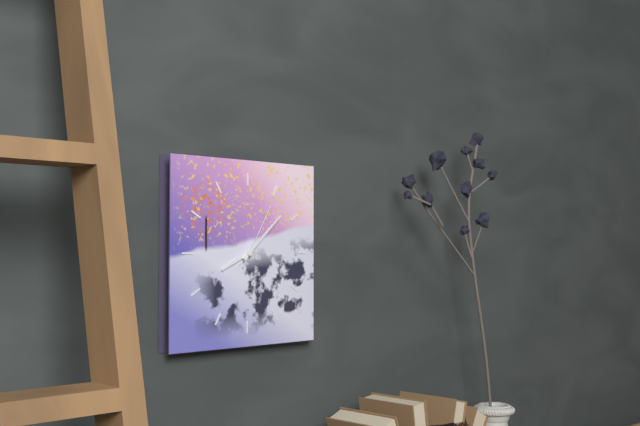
{"hour": 8, "minute": 8, "second": 5}
